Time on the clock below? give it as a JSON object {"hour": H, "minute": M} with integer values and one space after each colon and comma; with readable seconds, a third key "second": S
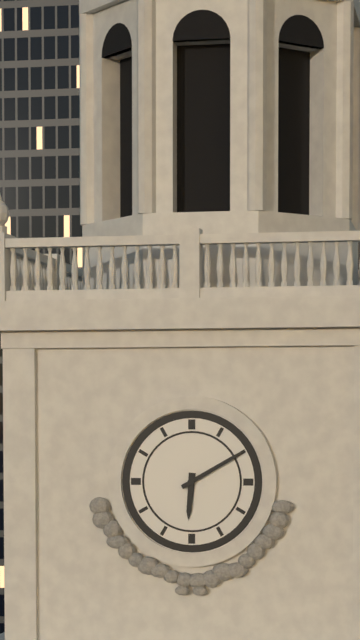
{"hour": 6, "minute": 10}
